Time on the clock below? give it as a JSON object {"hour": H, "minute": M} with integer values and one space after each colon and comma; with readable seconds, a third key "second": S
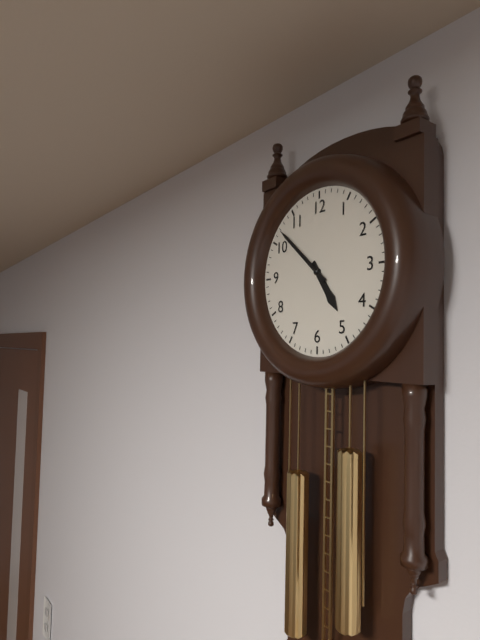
{"hour": 4, "minute": 52}
